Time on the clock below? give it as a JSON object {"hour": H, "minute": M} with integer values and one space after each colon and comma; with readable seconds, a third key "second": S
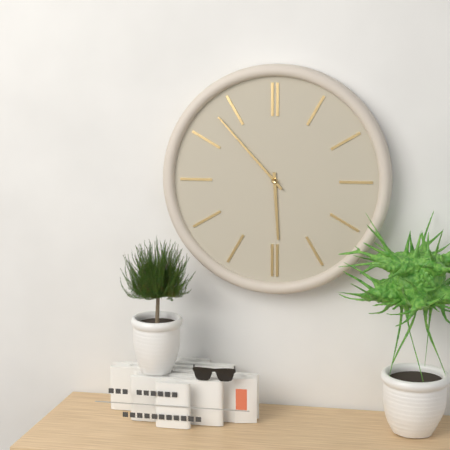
{"hour": 5, "minute": 53}
